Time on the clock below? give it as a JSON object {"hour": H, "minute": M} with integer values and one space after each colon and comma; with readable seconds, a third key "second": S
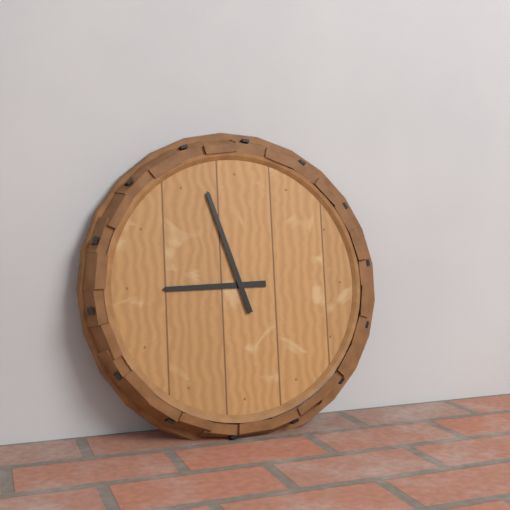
{"hour": 8, "minute": 57}
